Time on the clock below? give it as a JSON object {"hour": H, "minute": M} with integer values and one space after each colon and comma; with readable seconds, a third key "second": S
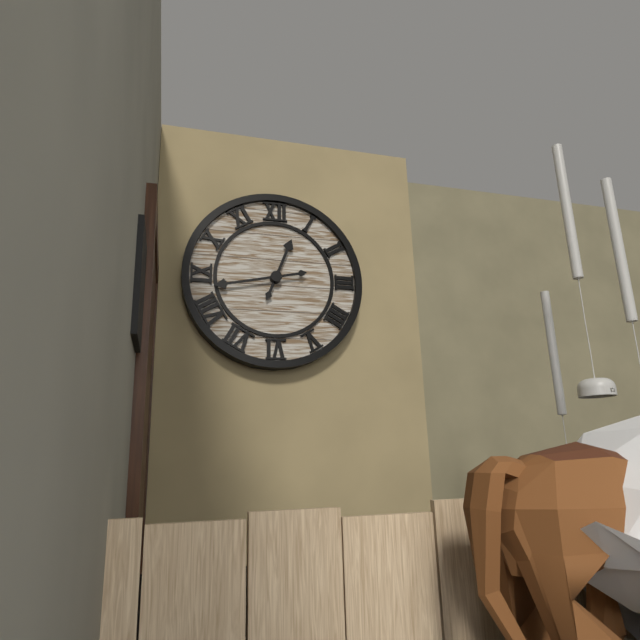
{"hour": 12, "minute": 43}
